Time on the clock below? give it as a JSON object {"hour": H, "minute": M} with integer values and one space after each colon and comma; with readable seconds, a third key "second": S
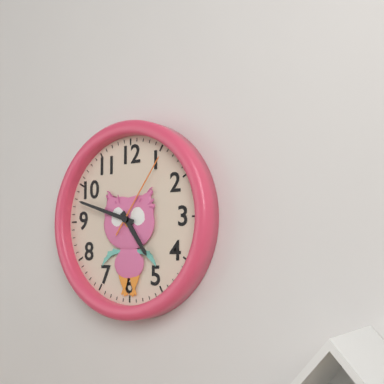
{"hour": 4, "minute": 48, "second": 6}
